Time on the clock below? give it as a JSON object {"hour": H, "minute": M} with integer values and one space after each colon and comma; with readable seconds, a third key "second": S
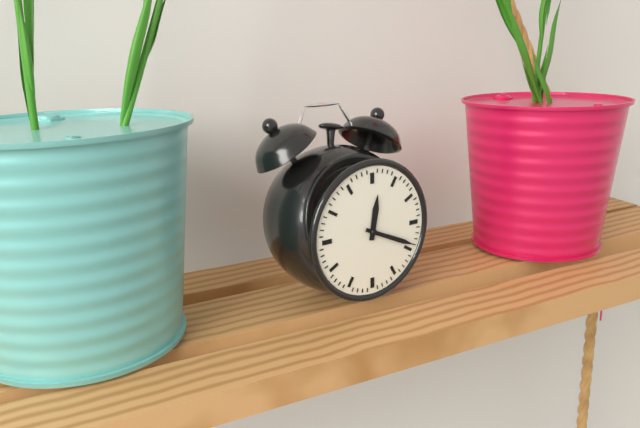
{"hour": 12, "minute": 19}
